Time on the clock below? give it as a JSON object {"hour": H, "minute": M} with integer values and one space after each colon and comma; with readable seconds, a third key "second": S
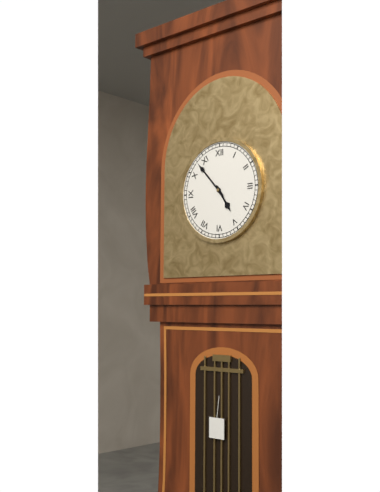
{"hour": 4, "minute": 53}
